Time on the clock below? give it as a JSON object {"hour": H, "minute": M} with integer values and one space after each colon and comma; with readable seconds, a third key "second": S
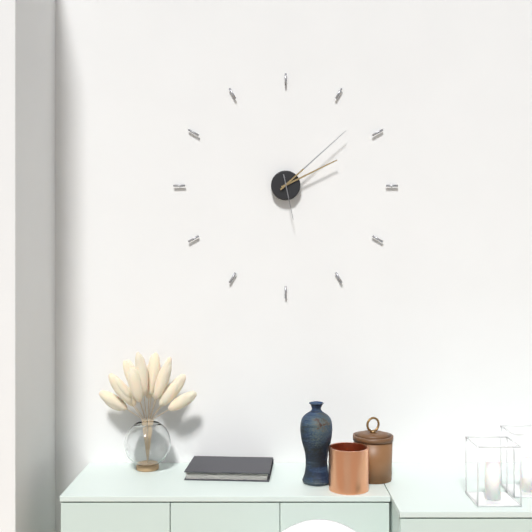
{"hour": 2, "minute": 8}
